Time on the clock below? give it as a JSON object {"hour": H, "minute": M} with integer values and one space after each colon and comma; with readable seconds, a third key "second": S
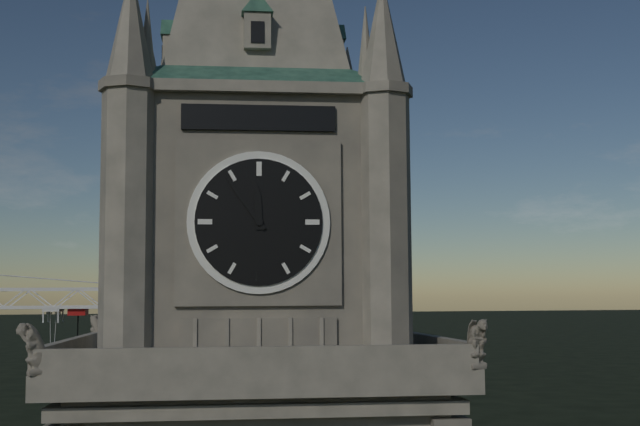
{"hour": 11, "minute": 54}
